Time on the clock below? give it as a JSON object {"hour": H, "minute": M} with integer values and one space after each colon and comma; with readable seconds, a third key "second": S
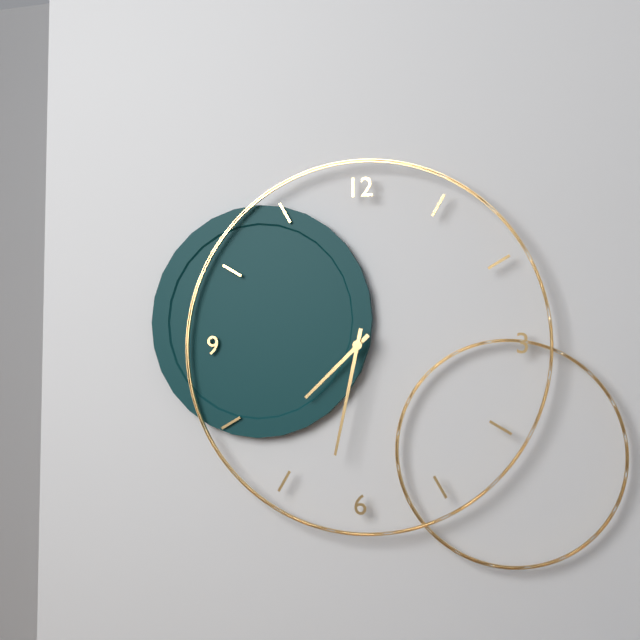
{"hour": 7, "minute": 32}
